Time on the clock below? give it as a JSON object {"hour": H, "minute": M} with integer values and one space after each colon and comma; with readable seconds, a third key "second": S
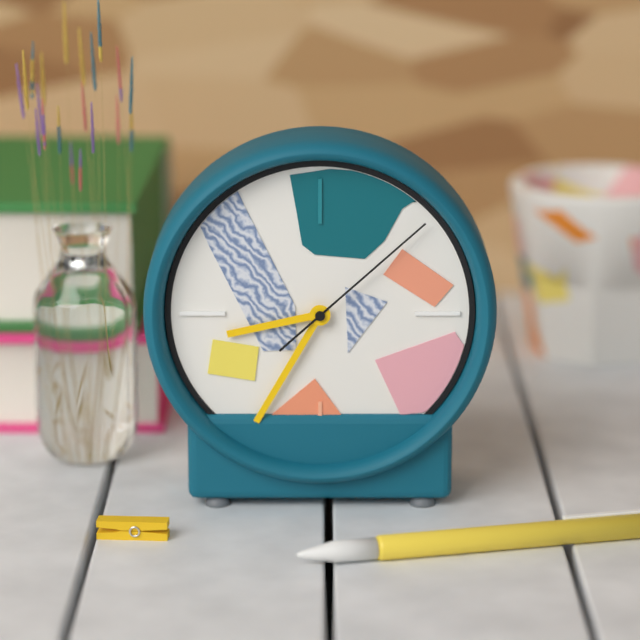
{"hour": 8, "minute": 35, "second": 8}
